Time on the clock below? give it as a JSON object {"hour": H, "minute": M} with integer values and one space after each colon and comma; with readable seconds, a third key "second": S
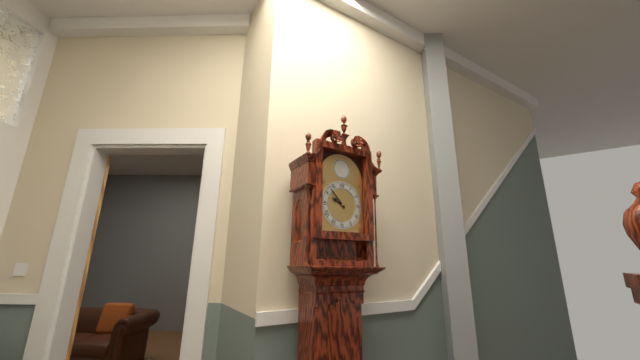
{"hour": 9, "minute": 53}
